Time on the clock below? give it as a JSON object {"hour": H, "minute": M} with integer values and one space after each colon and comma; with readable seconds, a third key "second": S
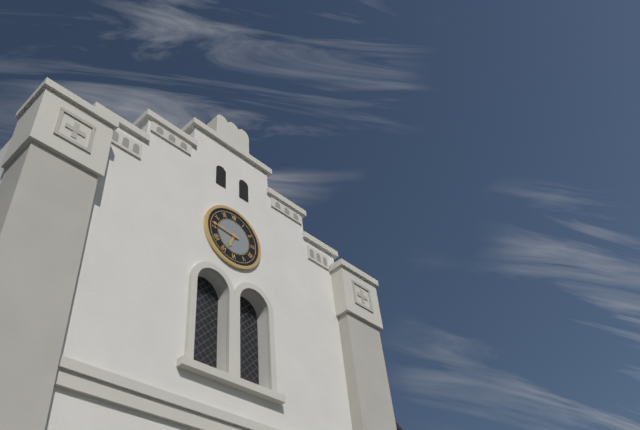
{"hour": 6, "minute": 46}
